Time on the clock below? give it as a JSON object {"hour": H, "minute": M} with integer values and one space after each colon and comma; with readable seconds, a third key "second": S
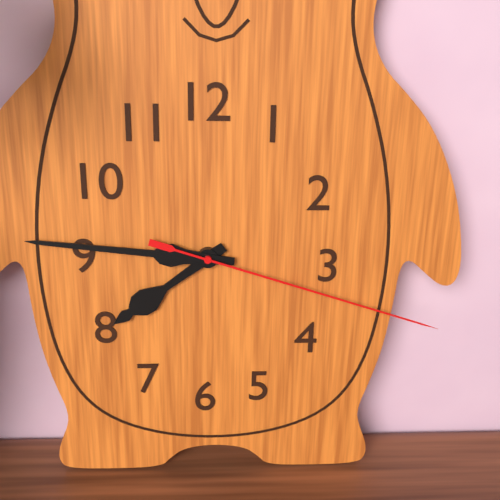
{"hour": 7, "minute": 46, "second": 18}
